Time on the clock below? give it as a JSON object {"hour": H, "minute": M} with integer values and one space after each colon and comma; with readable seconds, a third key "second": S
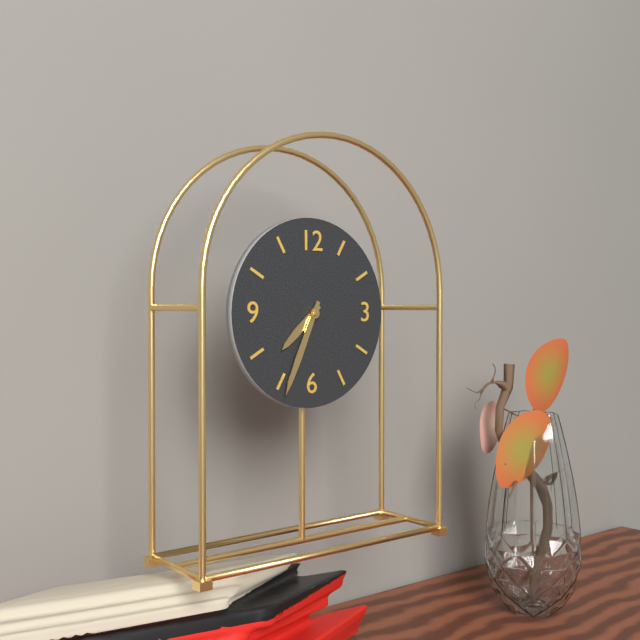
{"hour": 7, "minute": 34}
